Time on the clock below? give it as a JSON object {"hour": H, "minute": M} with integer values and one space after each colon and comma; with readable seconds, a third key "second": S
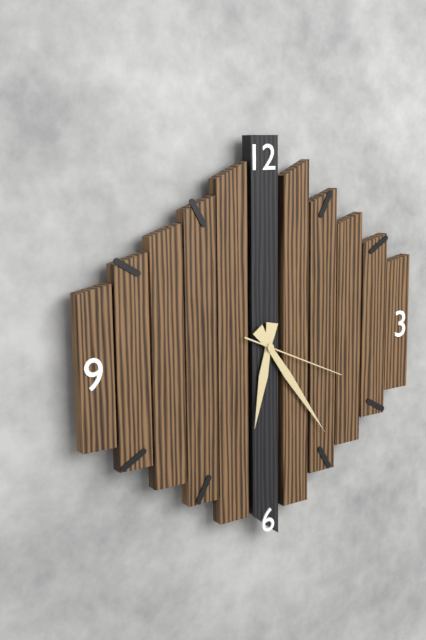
{"hour": 6, "minute": 24, "second": 19}
